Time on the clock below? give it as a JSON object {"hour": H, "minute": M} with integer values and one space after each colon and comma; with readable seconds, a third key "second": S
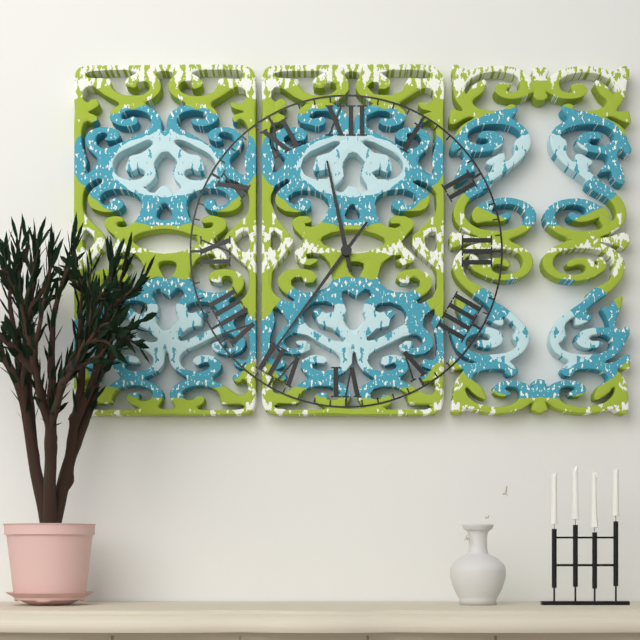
{"hour": 11, "minute": 36}
